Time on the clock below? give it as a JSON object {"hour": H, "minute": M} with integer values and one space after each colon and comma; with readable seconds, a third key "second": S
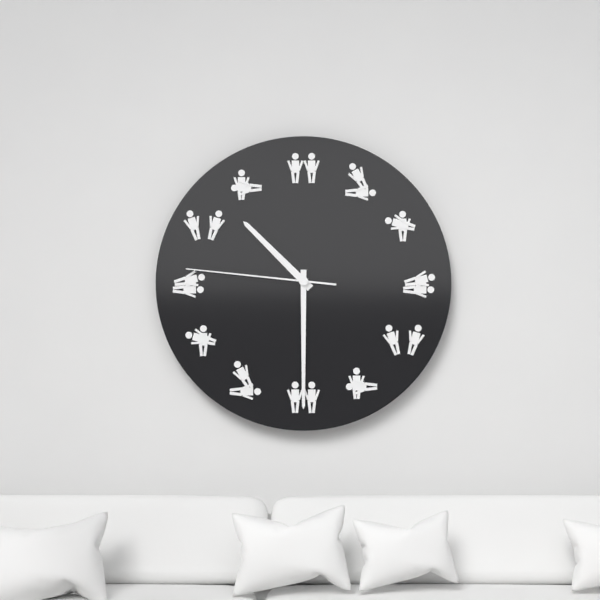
{"hour": 10, "minute": 30, "second": 46}
